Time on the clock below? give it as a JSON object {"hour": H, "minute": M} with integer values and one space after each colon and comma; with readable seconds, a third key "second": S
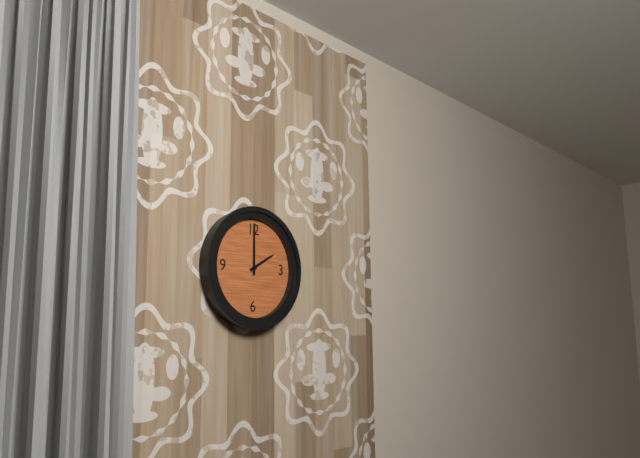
{"hour": 2, "minute": 0}
